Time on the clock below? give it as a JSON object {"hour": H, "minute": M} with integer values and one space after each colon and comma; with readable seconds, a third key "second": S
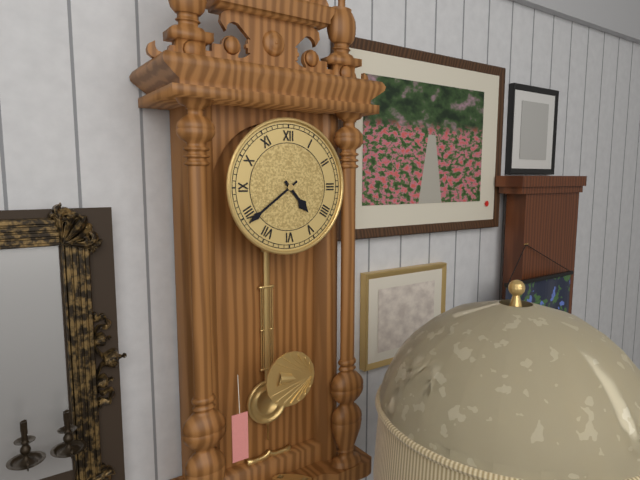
{"hour": 4, "minute": 39}
